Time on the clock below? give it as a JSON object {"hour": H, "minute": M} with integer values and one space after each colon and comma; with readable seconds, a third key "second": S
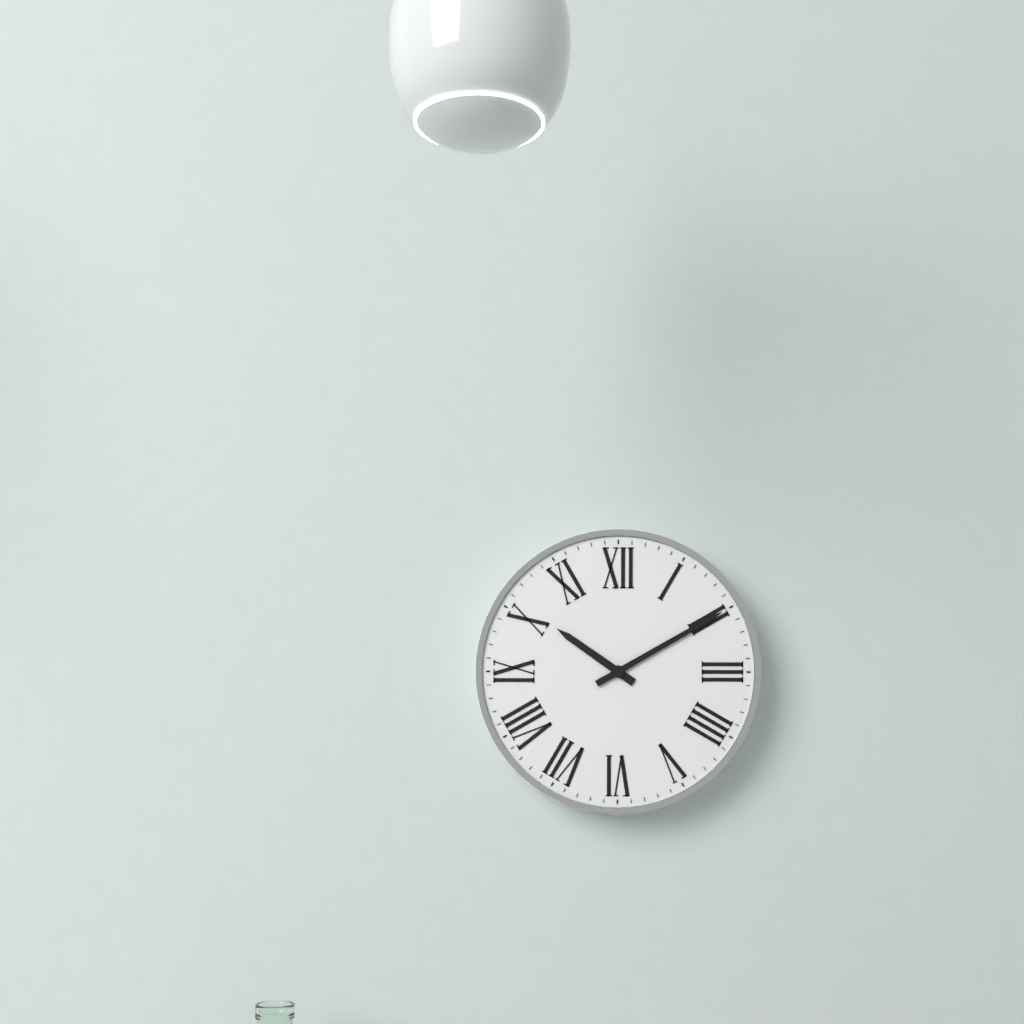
{"hour": 10, "minute": 10}
